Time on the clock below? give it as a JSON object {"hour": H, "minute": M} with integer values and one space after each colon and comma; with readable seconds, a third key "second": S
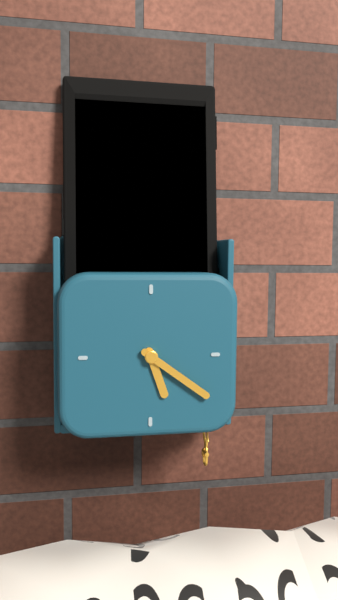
{"hour": 5, "minute": 21}
